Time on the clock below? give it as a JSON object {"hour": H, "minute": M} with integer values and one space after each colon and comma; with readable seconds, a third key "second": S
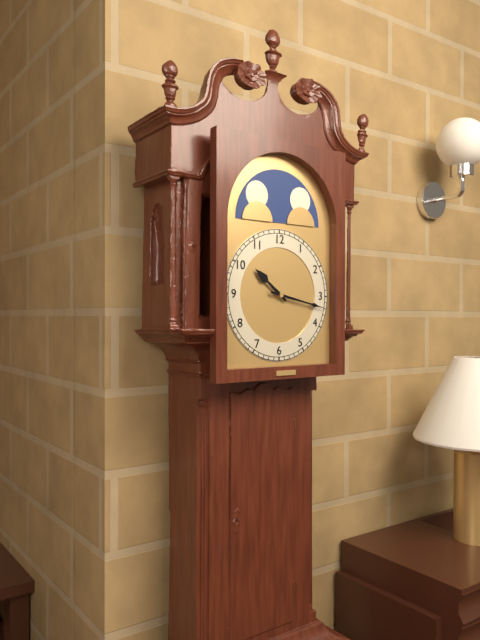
{"hour": 10, "minute": 17}
